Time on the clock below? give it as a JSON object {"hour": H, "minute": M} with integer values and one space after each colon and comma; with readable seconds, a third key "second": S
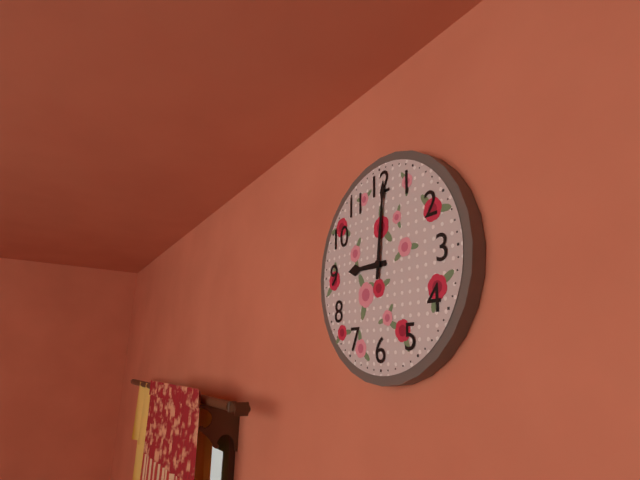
{"hour": 9, "minute": 1}
